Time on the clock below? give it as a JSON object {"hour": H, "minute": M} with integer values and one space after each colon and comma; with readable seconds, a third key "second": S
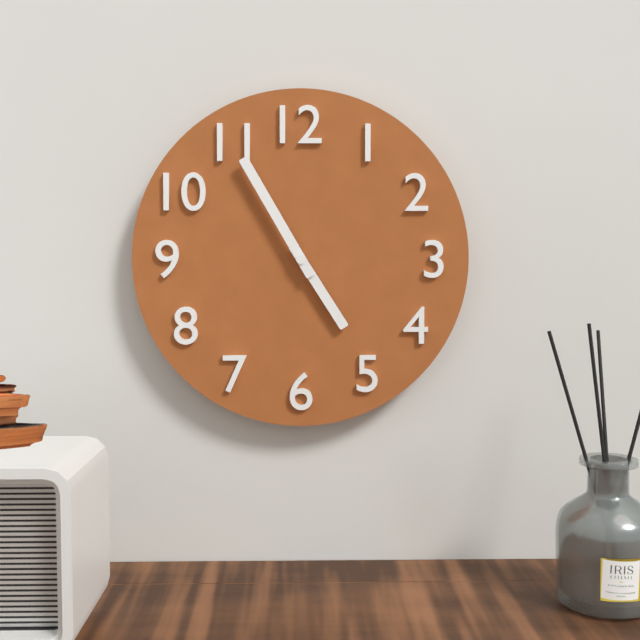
{"hour": 4, "minute": 55}
